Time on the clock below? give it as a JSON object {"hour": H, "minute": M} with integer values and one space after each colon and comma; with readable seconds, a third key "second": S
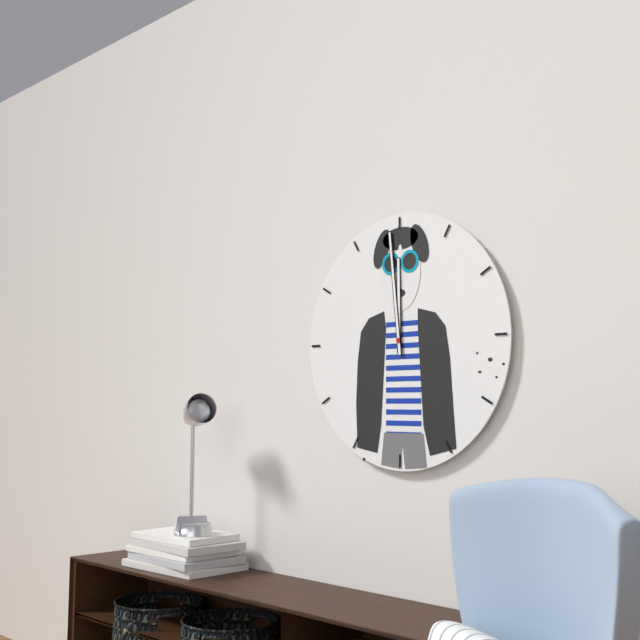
{"hour": 11, "minute": 59}
